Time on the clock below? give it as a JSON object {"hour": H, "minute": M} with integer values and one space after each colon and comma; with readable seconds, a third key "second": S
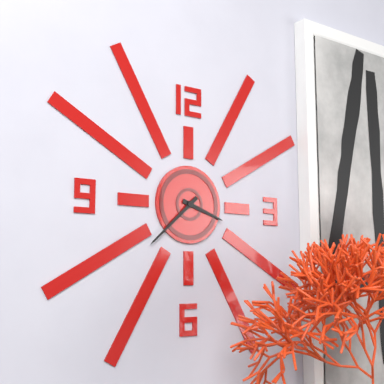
{"hour": 3, "minute": 38}
